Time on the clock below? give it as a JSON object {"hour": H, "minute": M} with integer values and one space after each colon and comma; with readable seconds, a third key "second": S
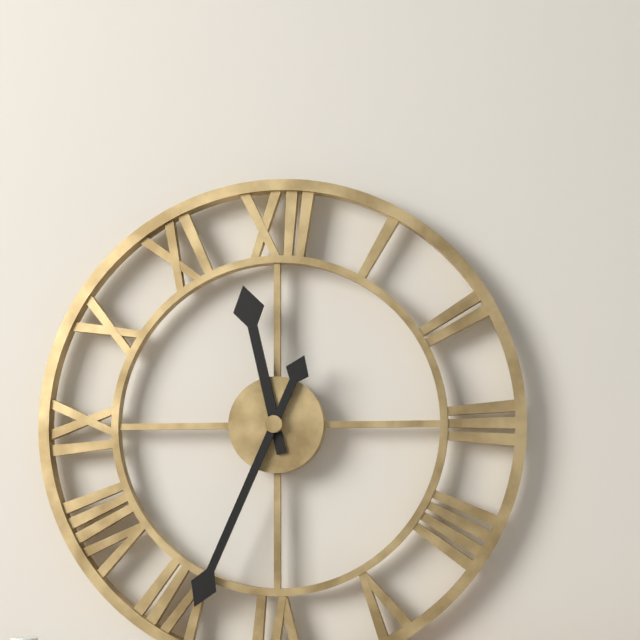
{"hour": 11, "minute": 34}
